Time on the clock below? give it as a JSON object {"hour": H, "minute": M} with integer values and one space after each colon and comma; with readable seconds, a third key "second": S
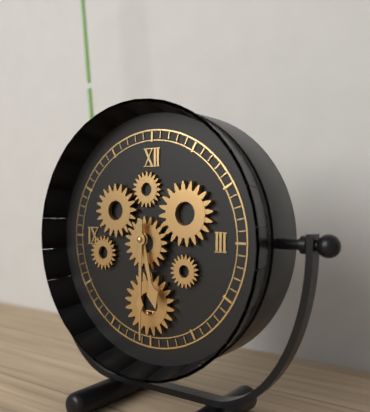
{"hour": 5, "minute": 30}
